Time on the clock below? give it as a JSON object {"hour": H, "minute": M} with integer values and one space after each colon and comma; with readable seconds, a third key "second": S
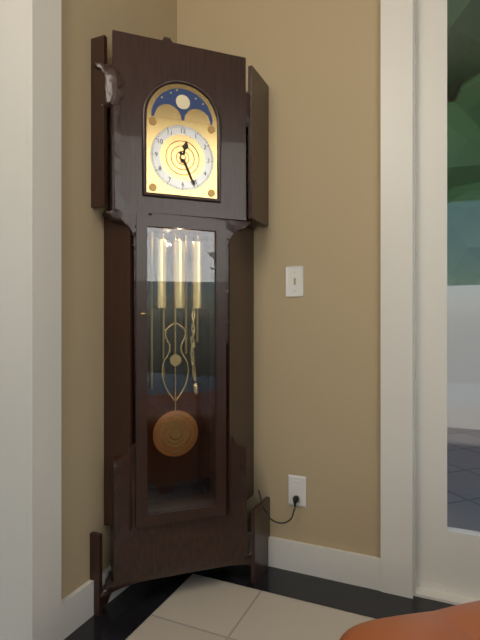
{"hour": 12, "minute": 26}
